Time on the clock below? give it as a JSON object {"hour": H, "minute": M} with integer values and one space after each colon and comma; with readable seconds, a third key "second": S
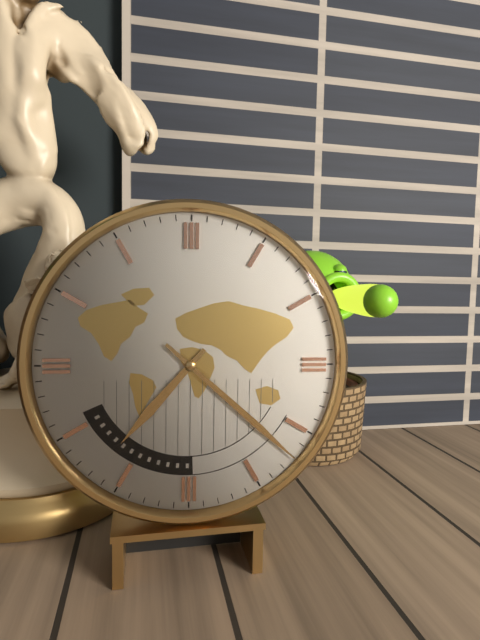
{"hour": 7, "minute": 22}
